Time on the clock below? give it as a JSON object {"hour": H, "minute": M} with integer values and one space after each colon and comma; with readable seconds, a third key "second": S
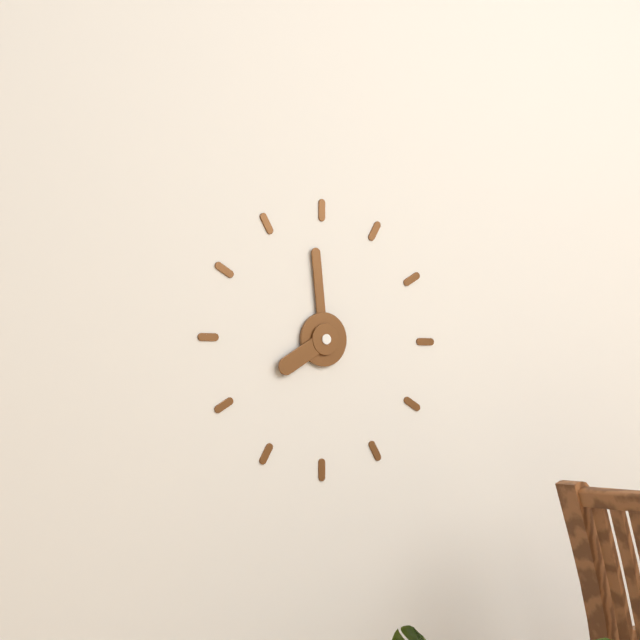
{"hour": 7, "minute": 59}
